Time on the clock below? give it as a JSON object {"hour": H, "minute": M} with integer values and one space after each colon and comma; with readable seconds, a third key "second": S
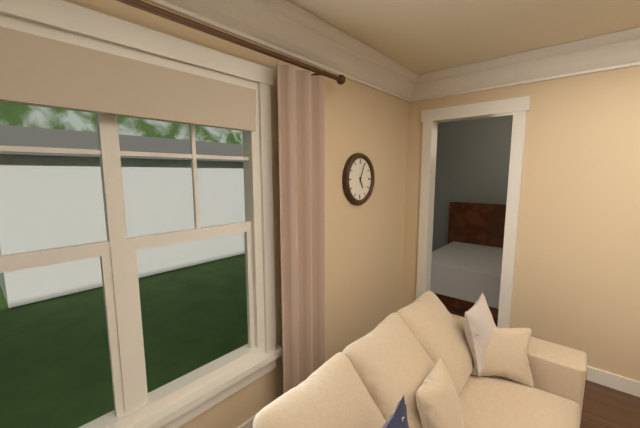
{"hour": 5, "minute": 4}
